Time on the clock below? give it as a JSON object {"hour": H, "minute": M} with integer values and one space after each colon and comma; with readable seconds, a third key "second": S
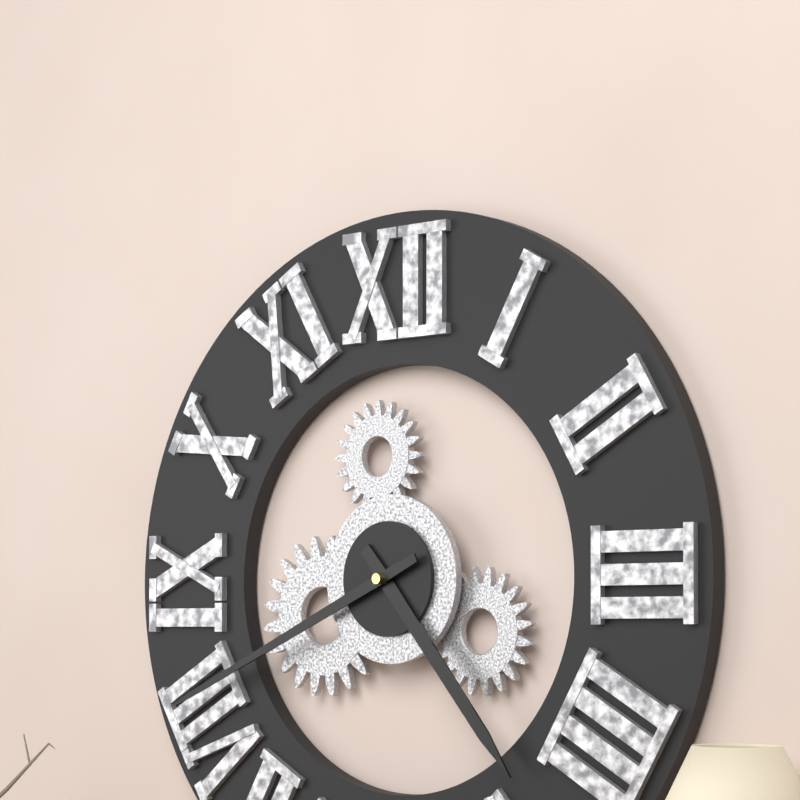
{"hour": 4, "minute": 41}
